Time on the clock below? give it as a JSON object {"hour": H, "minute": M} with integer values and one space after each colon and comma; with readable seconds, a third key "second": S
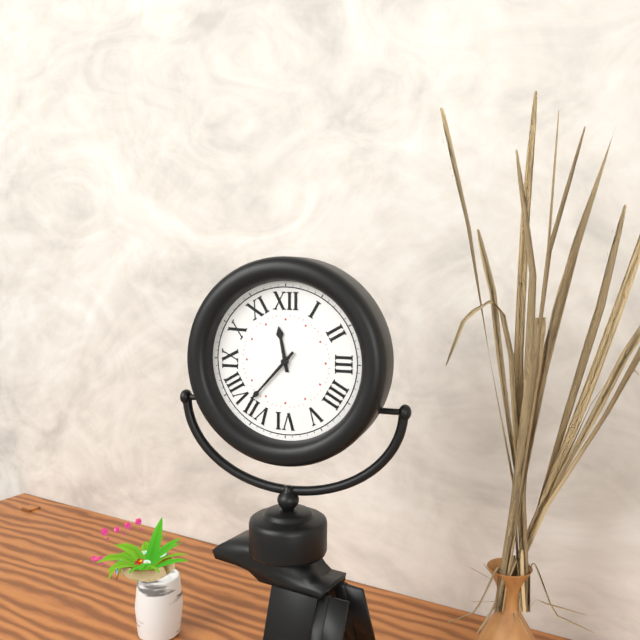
{"hour": 11, "minute": 37}
